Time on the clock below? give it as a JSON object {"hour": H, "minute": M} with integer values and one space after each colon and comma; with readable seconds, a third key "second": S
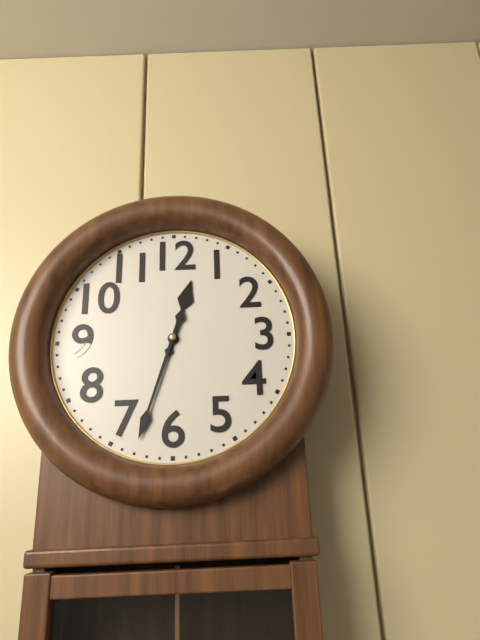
{"hour": 12, "minute": 33}
